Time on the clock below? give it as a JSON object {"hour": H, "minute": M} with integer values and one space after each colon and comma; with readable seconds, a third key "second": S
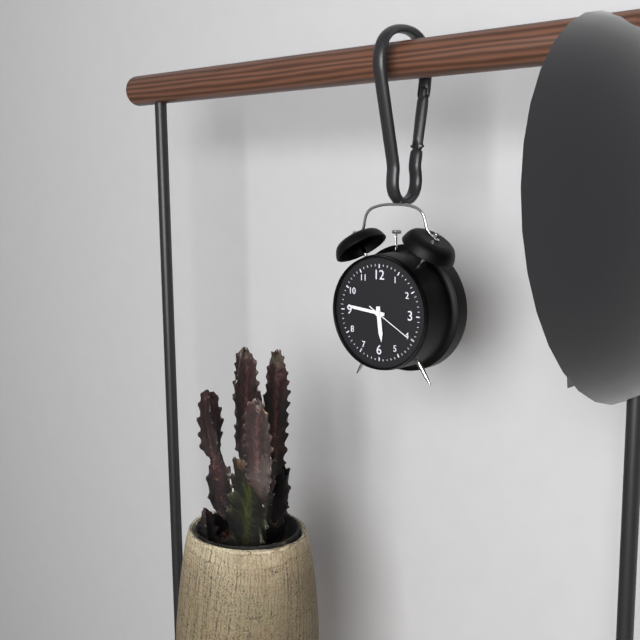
{"hour": 5, "minute": 46}
